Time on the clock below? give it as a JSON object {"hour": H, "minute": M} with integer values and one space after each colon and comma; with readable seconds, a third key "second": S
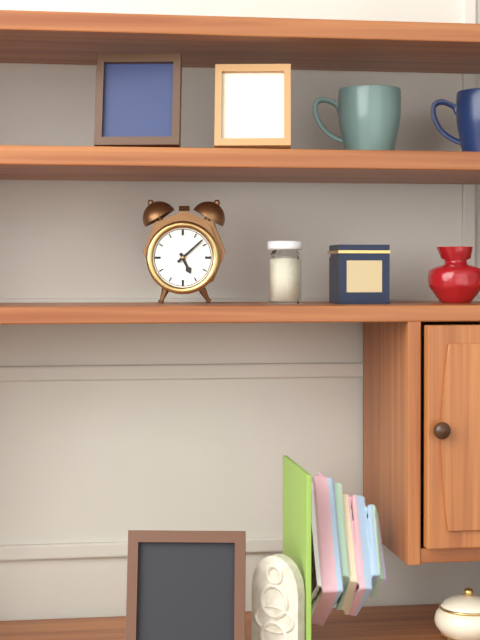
{"hour": 5, "minute": 8}
